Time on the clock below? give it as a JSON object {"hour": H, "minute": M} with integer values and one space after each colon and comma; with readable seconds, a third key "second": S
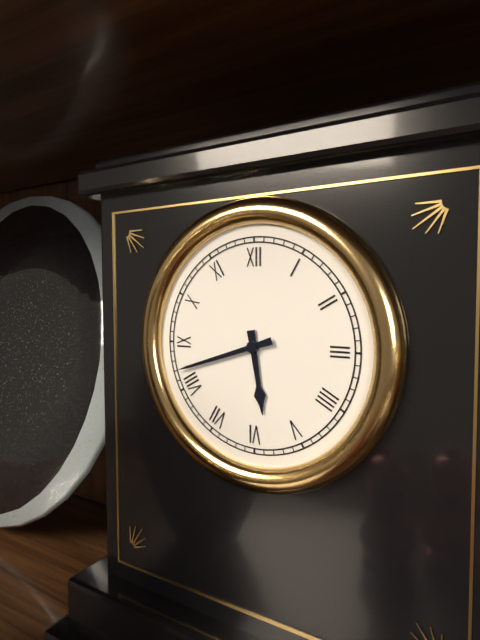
{"hour": 5, "minute": 42}
